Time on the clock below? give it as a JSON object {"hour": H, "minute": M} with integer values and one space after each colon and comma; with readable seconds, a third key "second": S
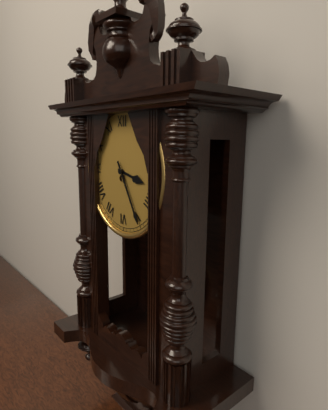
{"hour": 3, "minute": 25}
